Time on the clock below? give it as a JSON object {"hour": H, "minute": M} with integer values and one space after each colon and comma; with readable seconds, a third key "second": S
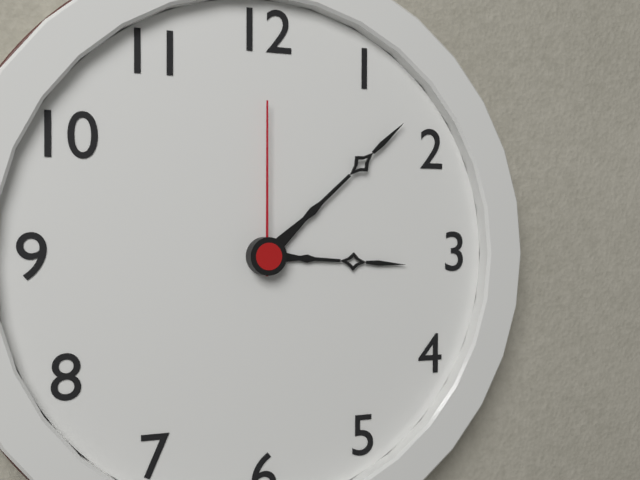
{"hour": 3, "minute": 8, "second": 0}
